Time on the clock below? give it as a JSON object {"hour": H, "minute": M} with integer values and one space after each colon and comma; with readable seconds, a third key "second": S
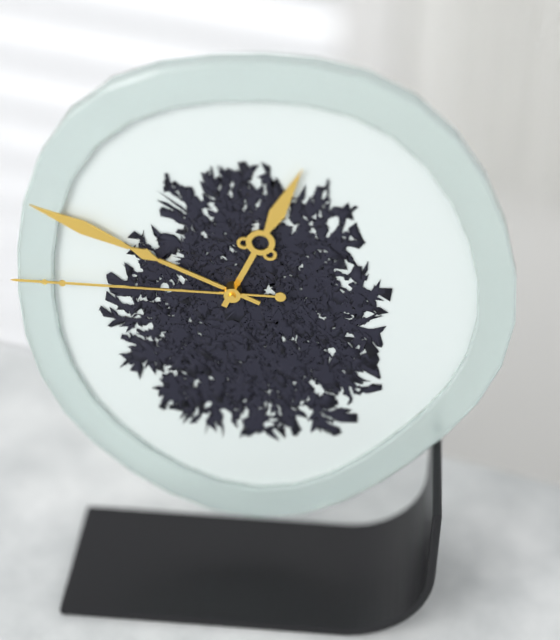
{"hour": 12, "minute": 49, "second": 45}
